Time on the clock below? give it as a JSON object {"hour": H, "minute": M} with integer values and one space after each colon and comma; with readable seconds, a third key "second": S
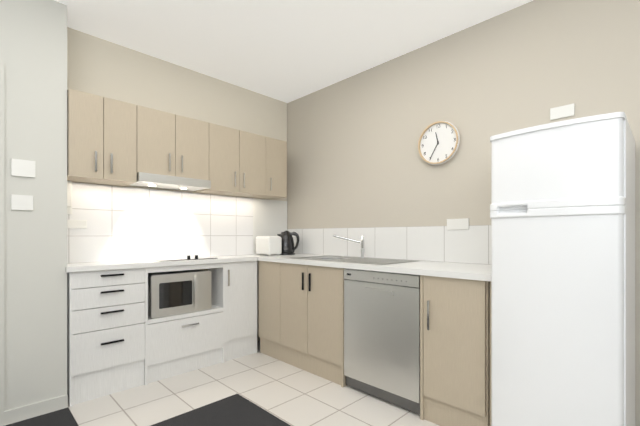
{"hour": 11, "minute": 35}
